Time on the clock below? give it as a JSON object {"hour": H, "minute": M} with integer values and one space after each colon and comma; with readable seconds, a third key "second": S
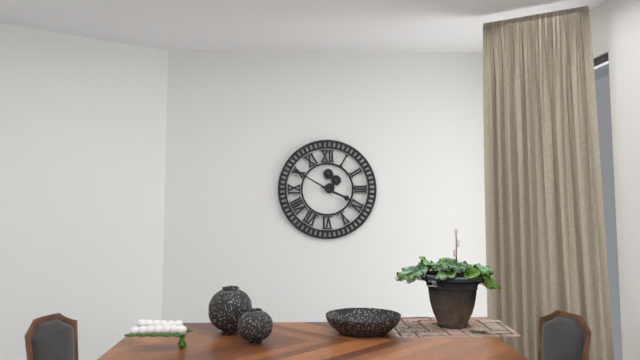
{"hour": 3, "minute": 50}
